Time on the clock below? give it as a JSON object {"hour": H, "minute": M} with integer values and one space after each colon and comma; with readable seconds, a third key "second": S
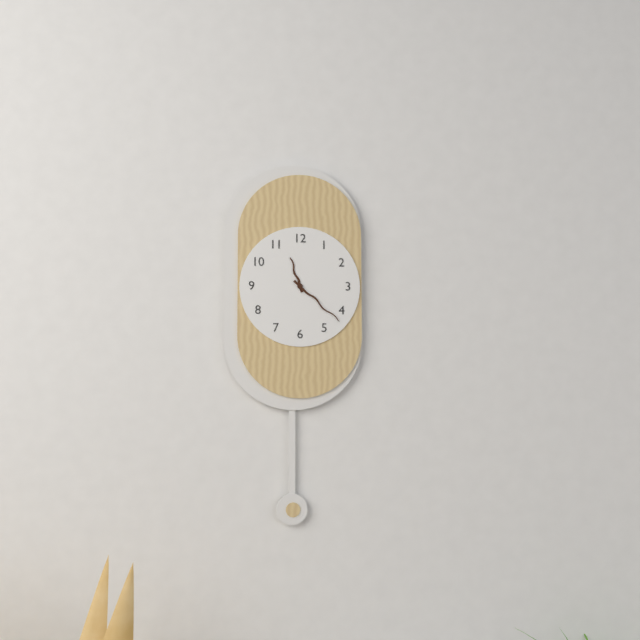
{"hour": 11, "minute": 22}
